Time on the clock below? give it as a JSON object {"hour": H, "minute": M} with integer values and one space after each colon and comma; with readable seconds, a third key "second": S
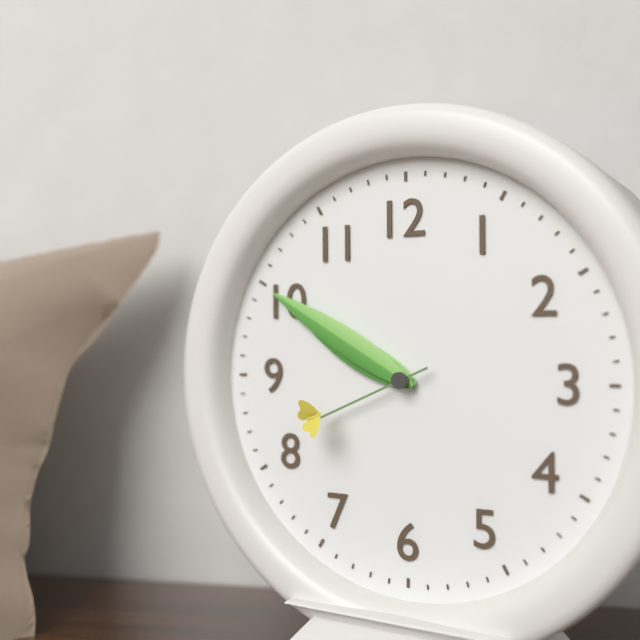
{"hour": 9, "minute": 50, "second": 41}
